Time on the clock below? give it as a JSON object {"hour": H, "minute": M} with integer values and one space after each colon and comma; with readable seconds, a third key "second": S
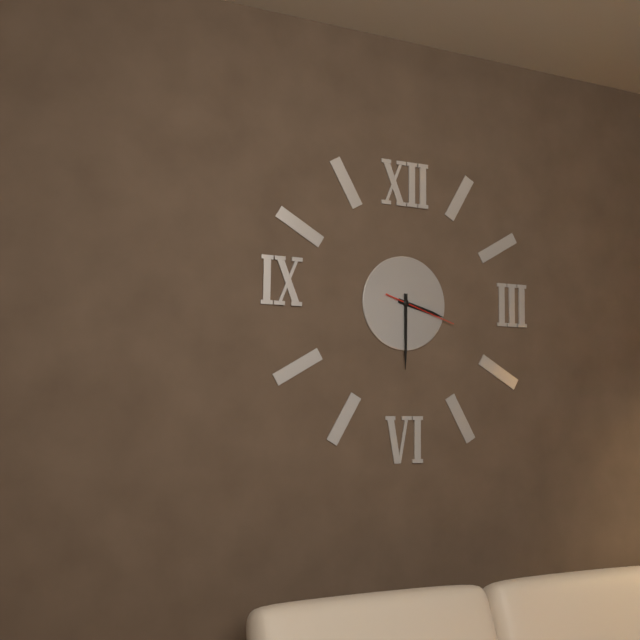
{"hour": 3, "minute": 30, "second": 18}
